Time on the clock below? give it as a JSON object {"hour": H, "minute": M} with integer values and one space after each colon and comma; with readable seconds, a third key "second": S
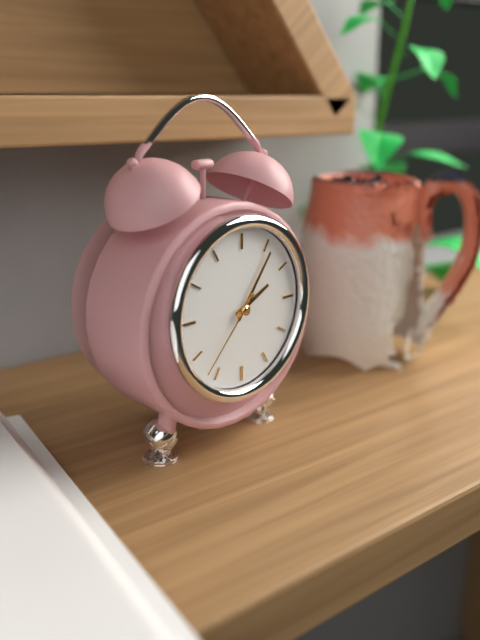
{"hour": 2, "minute": 6, "second": 37}
